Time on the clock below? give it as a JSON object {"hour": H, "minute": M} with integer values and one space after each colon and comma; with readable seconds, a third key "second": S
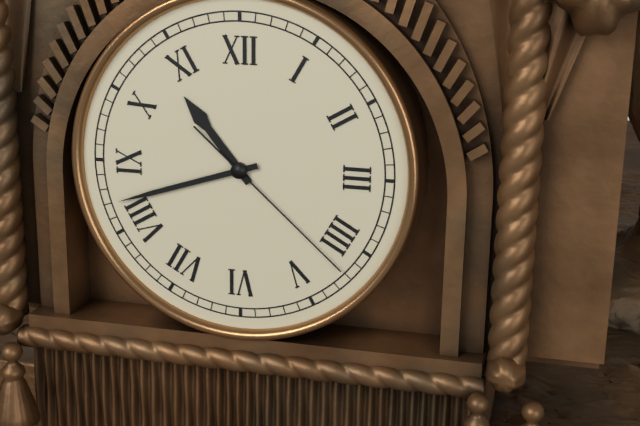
{"hour": 10, "minute": 42, "second": 22}
